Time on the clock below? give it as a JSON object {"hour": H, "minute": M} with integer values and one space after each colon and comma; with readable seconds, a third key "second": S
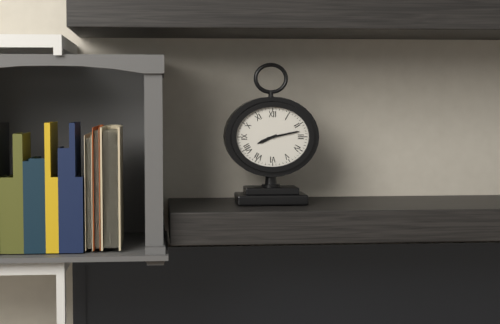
{"hour": 8, "minute": 13}
